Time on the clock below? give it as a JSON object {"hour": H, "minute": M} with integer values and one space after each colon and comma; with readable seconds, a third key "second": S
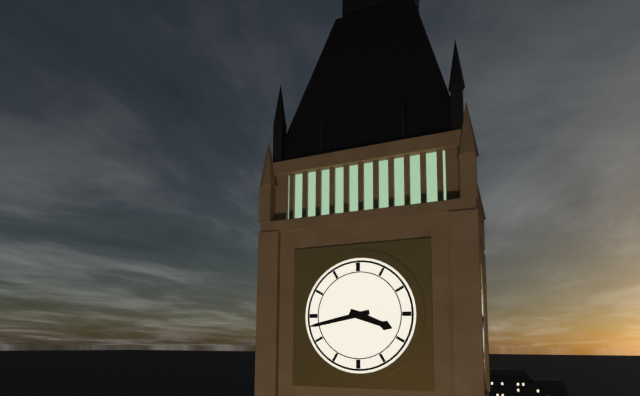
{"hour": 3, "minute": 43}
